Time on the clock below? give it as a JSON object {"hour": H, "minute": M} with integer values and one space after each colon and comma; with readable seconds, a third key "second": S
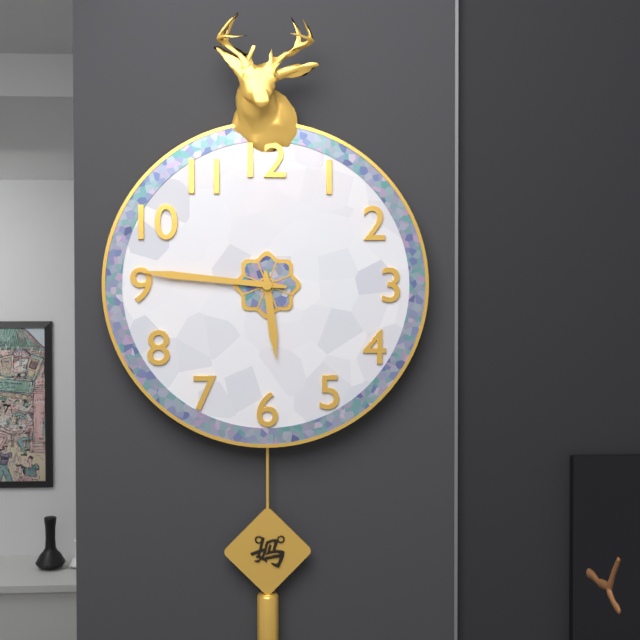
{"hour": 5, "minute": 46}
